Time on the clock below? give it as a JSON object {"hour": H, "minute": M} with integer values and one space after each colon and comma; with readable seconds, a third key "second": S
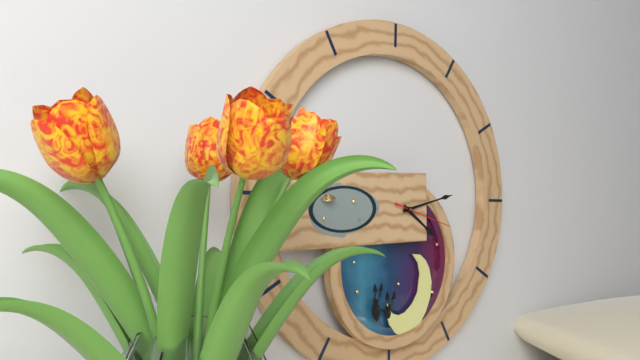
{"hour": 4, "minute": 13, "second": 18}
